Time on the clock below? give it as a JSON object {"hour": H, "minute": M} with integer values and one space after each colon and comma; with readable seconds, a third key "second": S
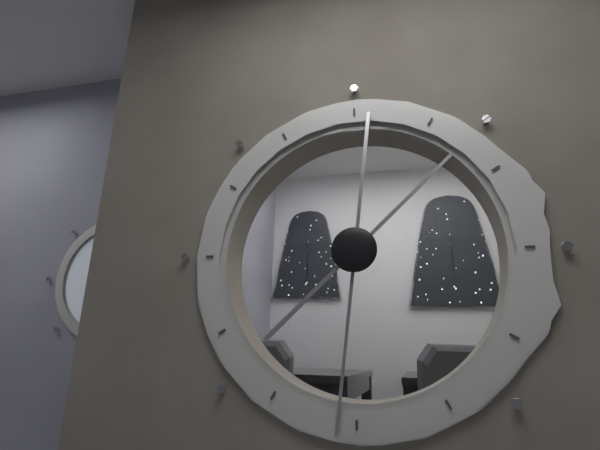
{"hour": 1, "minute": 31}
